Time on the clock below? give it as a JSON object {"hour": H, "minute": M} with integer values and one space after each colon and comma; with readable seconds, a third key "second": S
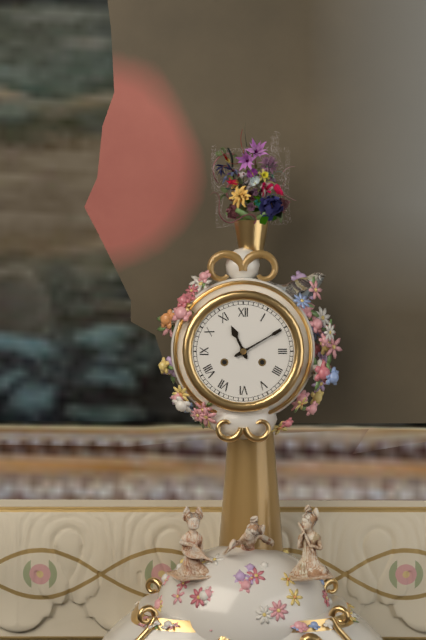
{"hour": 11, "minute": 10}
